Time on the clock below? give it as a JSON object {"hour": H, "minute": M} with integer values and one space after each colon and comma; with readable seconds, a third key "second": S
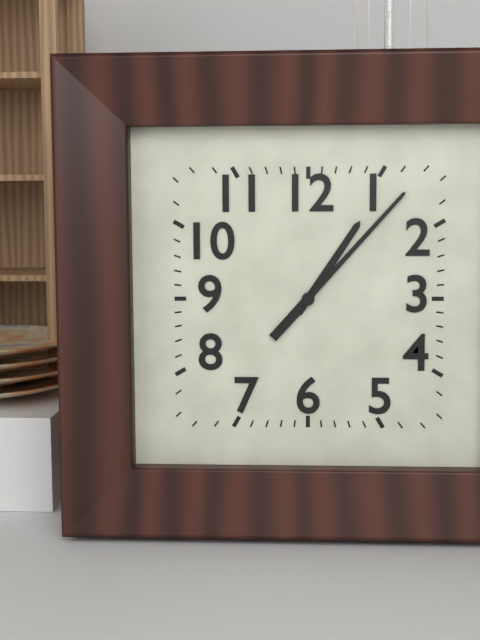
{"hour": 1, "minute": 7}
